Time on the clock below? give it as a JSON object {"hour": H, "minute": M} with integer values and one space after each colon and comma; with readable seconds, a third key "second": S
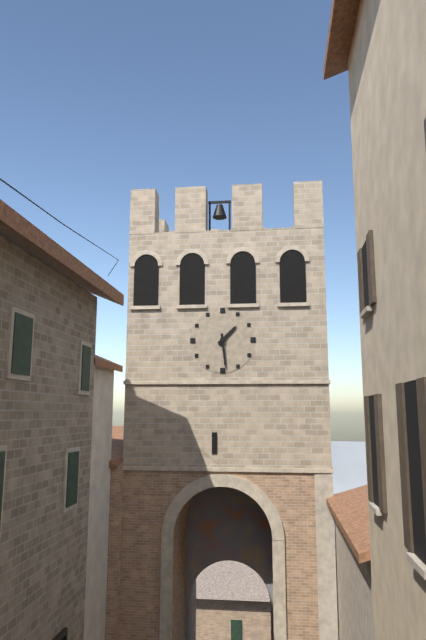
{"hour": 1, "minute": 29}
